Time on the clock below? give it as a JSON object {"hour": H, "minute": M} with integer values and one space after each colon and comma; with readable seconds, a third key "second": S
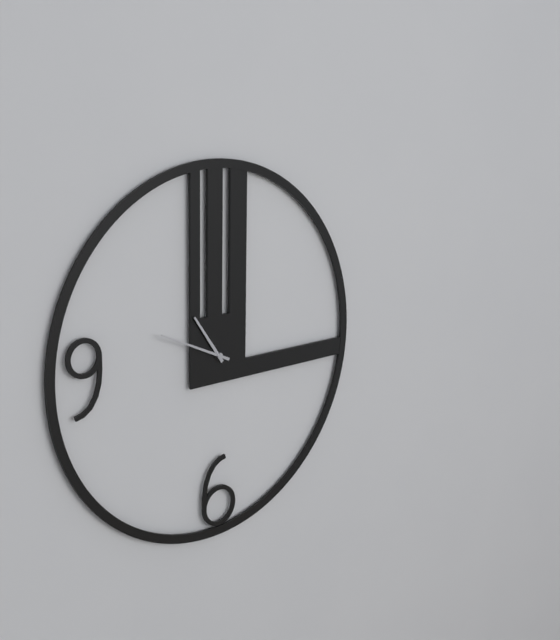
{"hour": 10, "minute": 49}
